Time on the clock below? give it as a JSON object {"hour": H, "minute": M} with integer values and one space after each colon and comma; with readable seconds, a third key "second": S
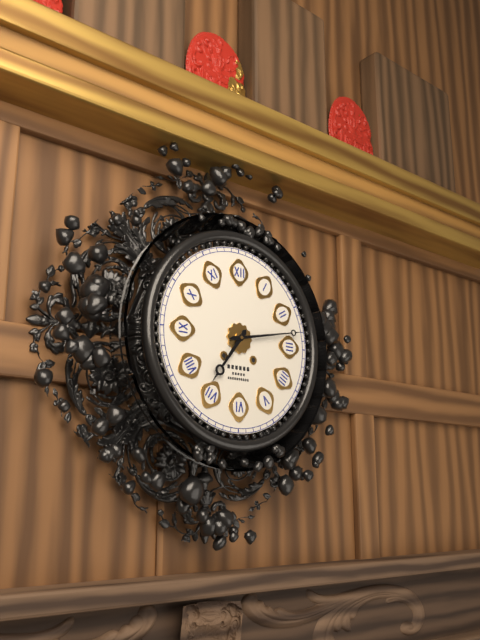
{"hour": 7, "minute": 13}
